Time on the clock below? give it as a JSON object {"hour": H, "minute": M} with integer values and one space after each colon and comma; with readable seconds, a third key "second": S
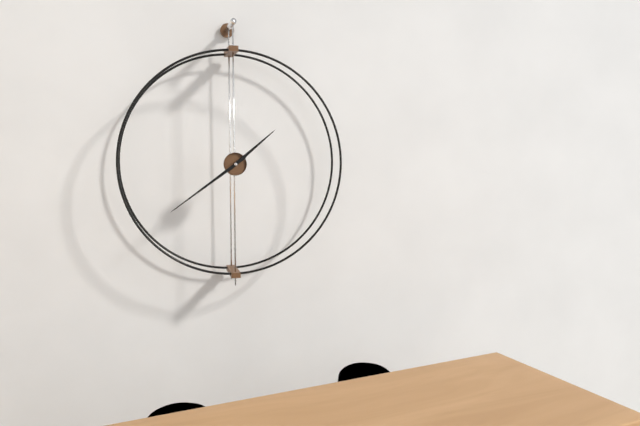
{"hour": 1, "minute": 39}
